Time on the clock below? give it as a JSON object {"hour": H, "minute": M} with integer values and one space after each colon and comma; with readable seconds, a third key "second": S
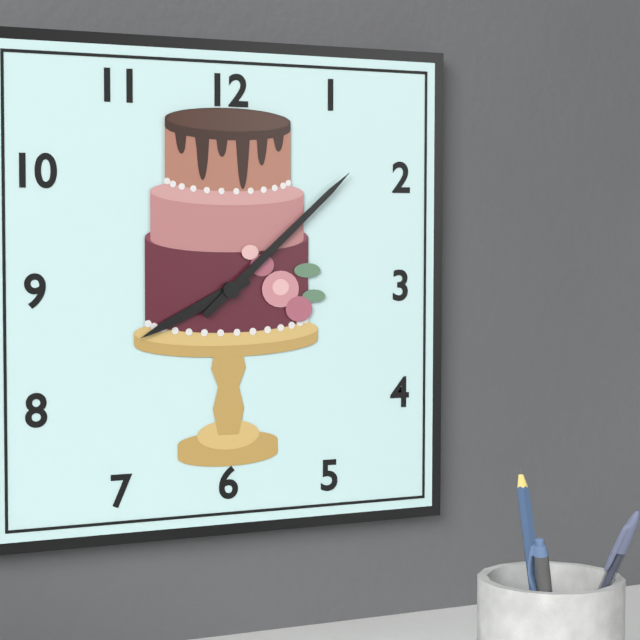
{"hour": 8, "minute": 8}
